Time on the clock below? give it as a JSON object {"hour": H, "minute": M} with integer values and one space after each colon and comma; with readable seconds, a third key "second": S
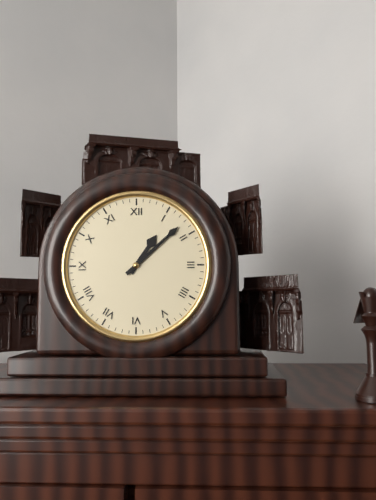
{"hour": 1, "minute": 8}
